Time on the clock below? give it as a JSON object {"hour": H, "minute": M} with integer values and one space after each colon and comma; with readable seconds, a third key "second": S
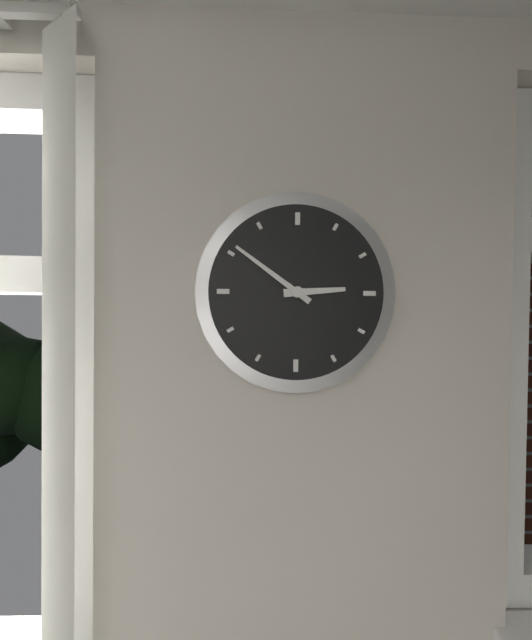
{"hour": 2, "minute": 51}
